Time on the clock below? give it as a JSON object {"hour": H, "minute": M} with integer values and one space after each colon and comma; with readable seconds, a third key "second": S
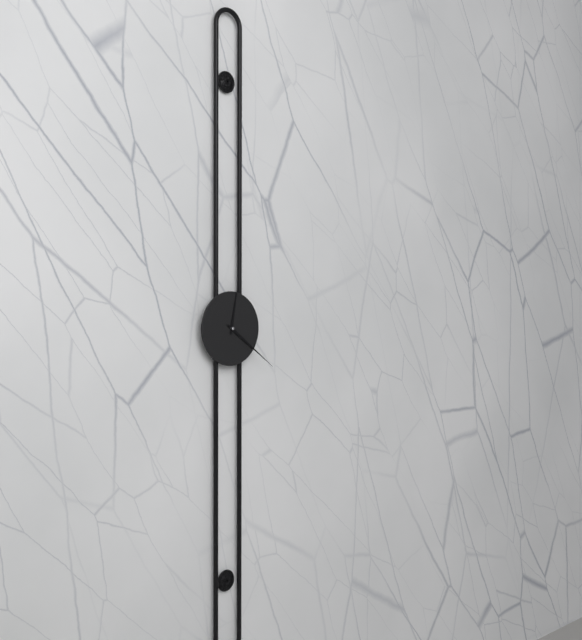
{"hour": 12, "minute": 21}
